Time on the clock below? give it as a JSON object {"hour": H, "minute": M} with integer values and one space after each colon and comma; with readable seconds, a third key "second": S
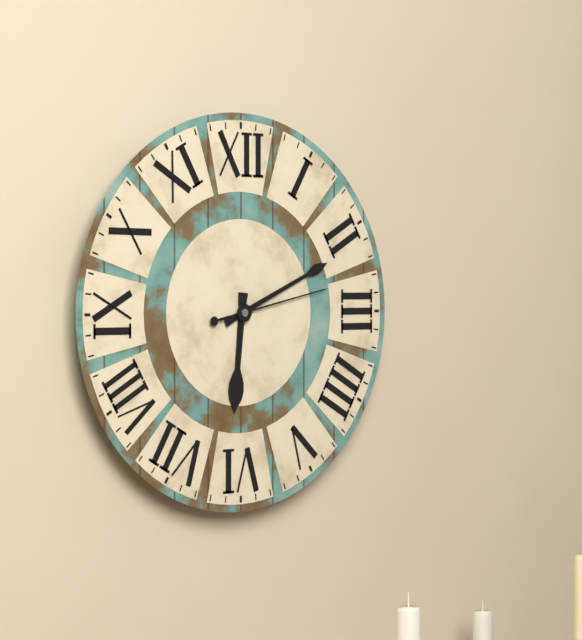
{"hour": 6, "minute": 11, "second": 13}
